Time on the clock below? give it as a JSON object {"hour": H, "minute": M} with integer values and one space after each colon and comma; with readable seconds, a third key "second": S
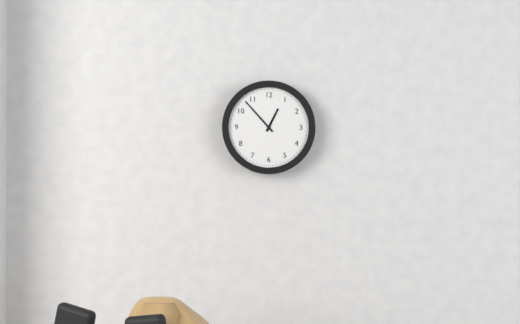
{"hour": 12, "minute": 53}
